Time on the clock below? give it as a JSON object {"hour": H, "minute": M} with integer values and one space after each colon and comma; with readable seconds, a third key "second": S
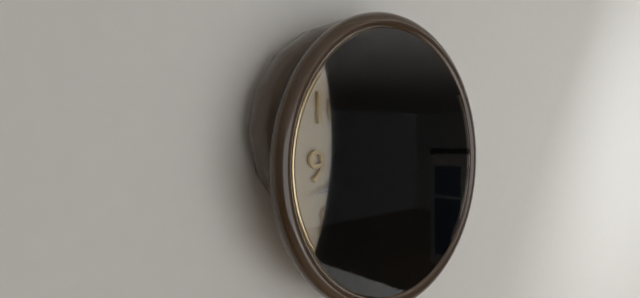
{"hour": 4, "minute": 43, "second": 2}
